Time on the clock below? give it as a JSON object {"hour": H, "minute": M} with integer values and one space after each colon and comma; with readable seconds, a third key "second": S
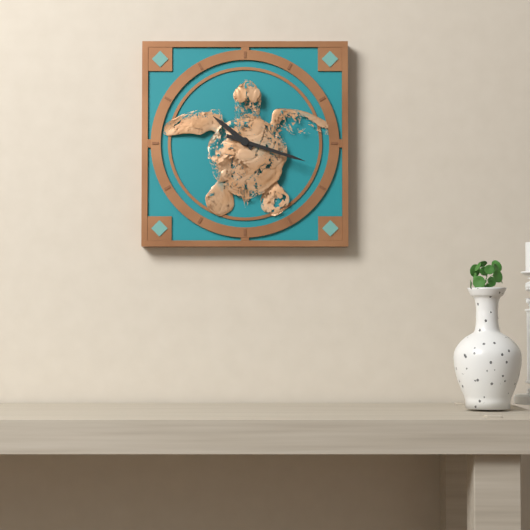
{"hour": 10, "minute": 18}
